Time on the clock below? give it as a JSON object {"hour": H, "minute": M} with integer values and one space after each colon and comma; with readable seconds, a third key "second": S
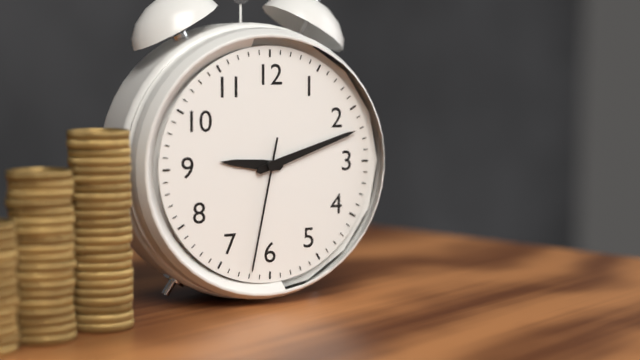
{"hour": 9, "minute": 12, "second": 32}
